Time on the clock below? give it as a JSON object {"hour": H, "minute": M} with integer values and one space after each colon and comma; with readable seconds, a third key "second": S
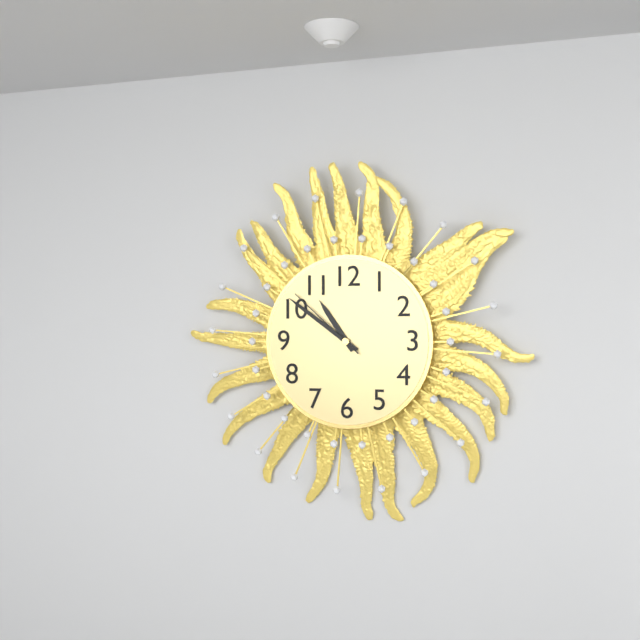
{"hour": 10, "minute": 51, "second": 52}
